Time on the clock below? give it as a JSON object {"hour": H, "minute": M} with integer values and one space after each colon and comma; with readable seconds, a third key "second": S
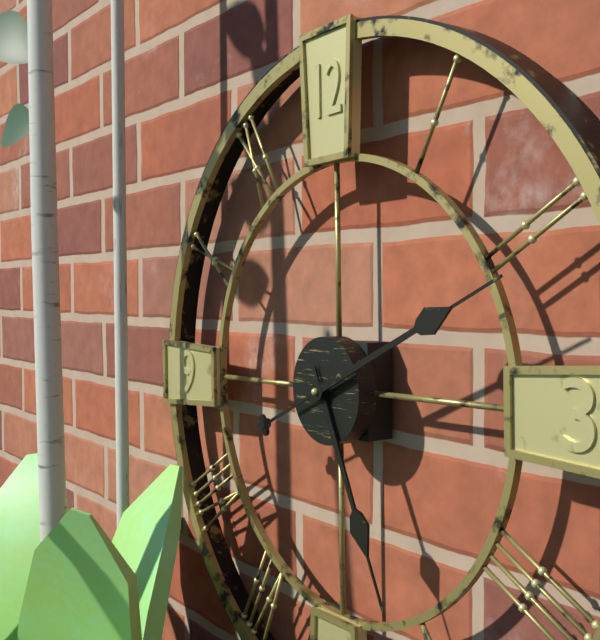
{"hour": 5, "minute": 11}
